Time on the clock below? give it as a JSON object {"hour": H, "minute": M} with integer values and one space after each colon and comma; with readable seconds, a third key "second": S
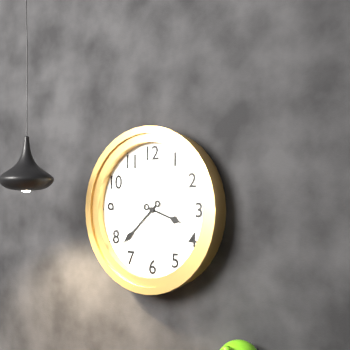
{"hour": 3, "minute": 38}
